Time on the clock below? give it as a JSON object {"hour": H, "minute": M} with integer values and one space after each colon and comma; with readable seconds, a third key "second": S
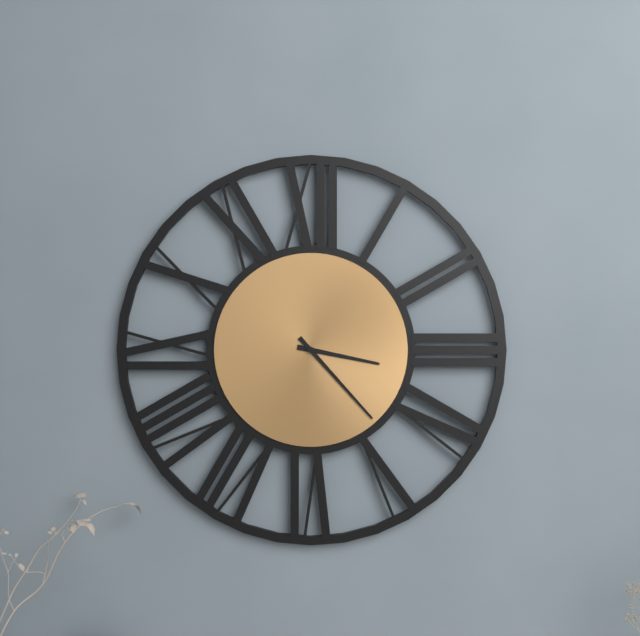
{"hour": 3, "minute": 23}
